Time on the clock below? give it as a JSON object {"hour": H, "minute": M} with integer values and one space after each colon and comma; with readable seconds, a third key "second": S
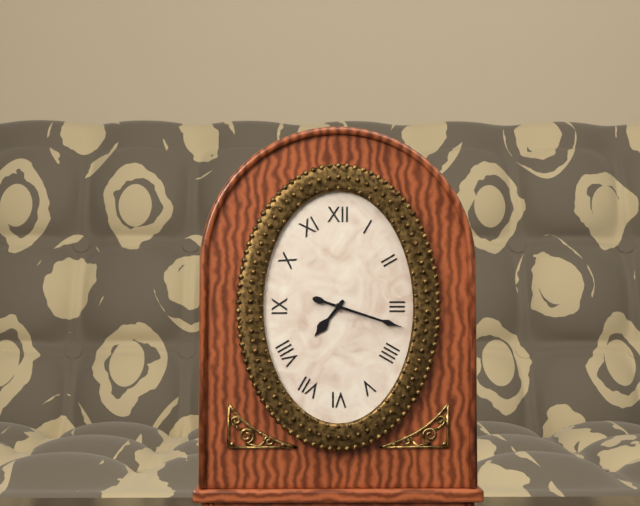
{"hour": 7, "minute": 18}
